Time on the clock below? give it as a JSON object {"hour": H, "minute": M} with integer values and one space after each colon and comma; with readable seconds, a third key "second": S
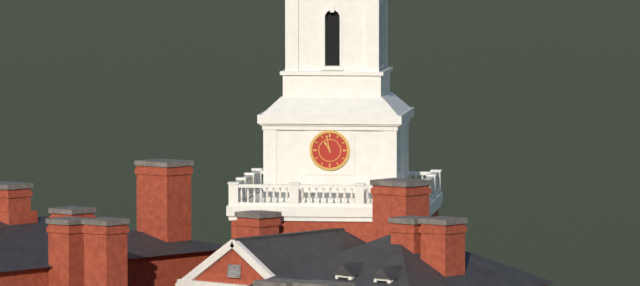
{"hour": 10, "minute": 58}
